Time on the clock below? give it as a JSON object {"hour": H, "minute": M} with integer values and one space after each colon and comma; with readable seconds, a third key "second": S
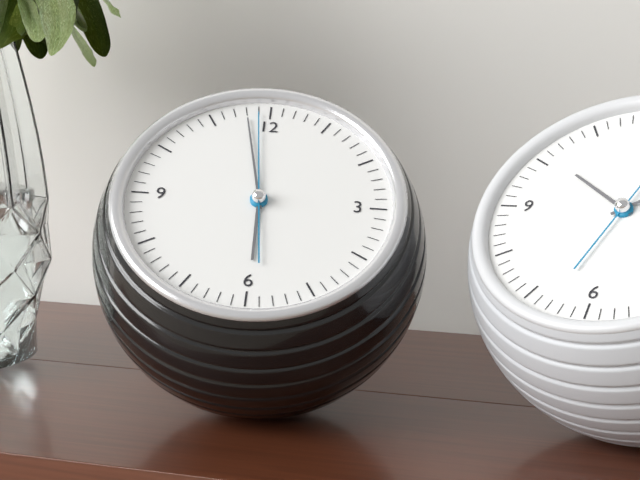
{"hour": 5, "minute": 58, "second": 59}
